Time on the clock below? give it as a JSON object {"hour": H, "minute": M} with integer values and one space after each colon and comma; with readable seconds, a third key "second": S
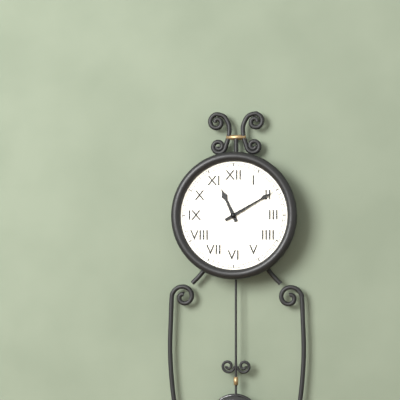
{"hour": 11, "minute": 10}
